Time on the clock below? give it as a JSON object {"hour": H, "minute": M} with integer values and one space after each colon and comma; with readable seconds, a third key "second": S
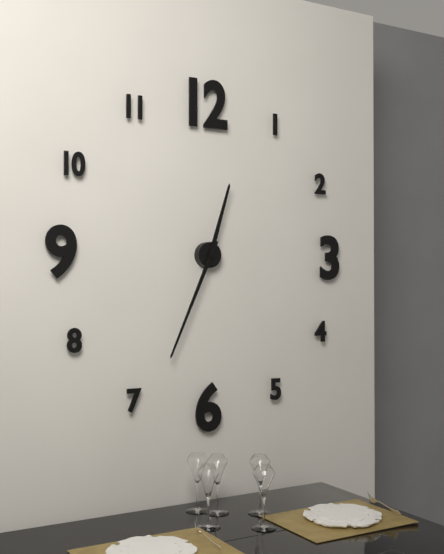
{"hour": 12, "minute": 34}
